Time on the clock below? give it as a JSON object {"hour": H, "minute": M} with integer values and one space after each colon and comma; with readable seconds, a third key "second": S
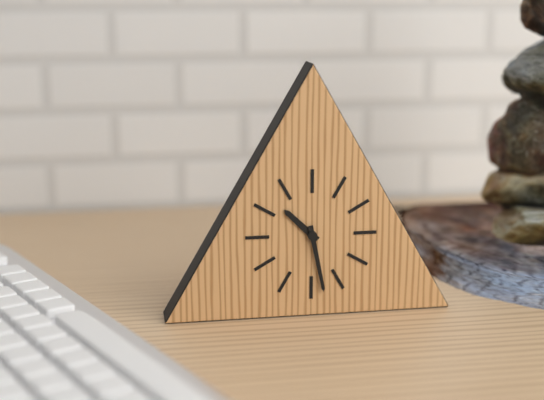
{"hour": 10, "minute": 28}
